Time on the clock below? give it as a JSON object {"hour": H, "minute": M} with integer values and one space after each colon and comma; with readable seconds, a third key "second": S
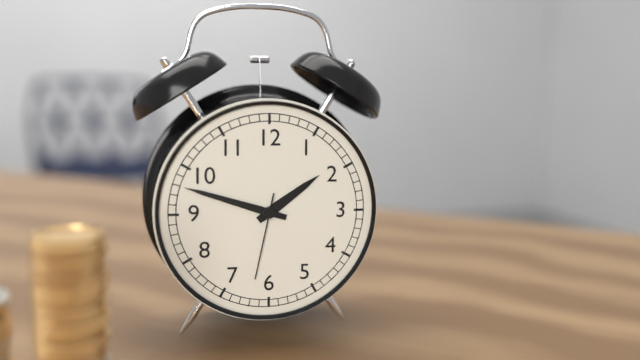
{"hour": 1, "minute": 48, "second": 32}
